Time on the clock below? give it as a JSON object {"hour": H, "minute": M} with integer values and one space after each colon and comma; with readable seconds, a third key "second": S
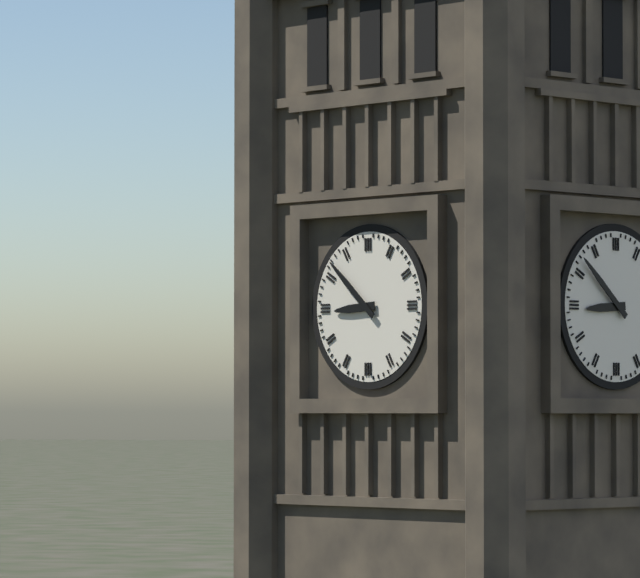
{"hour": 8, "minute": 52}
